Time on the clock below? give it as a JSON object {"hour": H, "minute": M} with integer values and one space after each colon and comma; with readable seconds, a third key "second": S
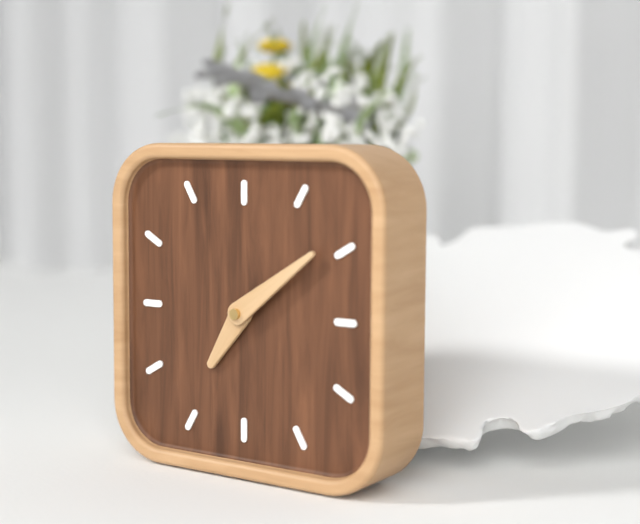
{"hour": 7, "minute": 9}
